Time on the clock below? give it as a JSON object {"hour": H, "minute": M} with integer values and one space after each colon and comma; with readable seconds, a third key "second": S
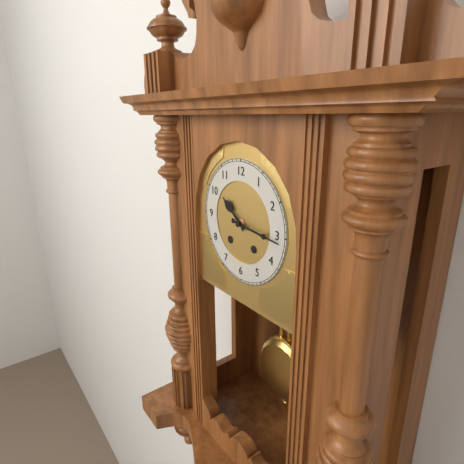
{"hour": 10, "minute": 16}
